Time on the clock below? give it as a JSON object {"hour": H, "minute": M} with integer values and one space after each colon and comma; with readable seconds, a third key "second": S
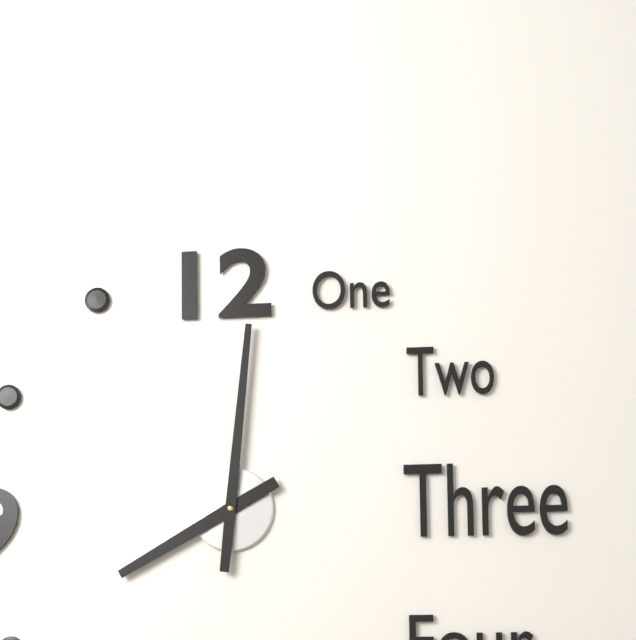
{"hour": 8, "minute": 1}
